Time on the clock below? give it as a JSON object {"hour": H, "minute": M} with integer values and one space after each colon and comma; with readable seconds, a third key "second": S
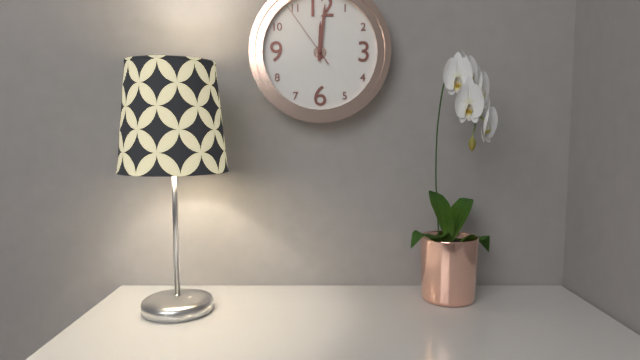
{"hour": 12, "minute": 1, "second": 54}
